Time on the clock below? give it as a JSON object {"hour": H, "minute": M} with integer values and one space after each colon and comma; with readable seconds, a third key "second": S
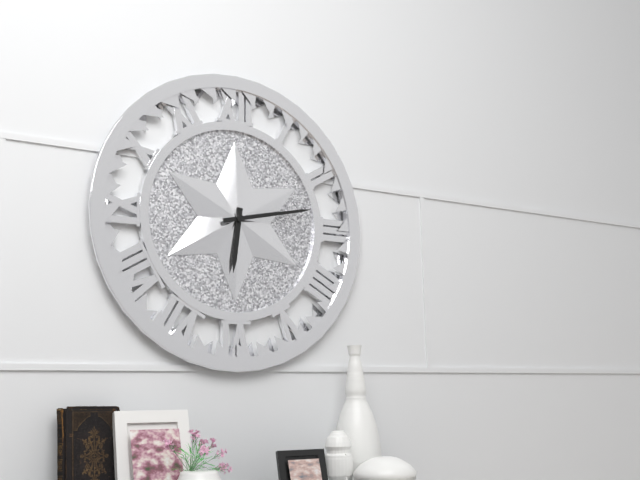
{"hour": 6, "minute": 13}
